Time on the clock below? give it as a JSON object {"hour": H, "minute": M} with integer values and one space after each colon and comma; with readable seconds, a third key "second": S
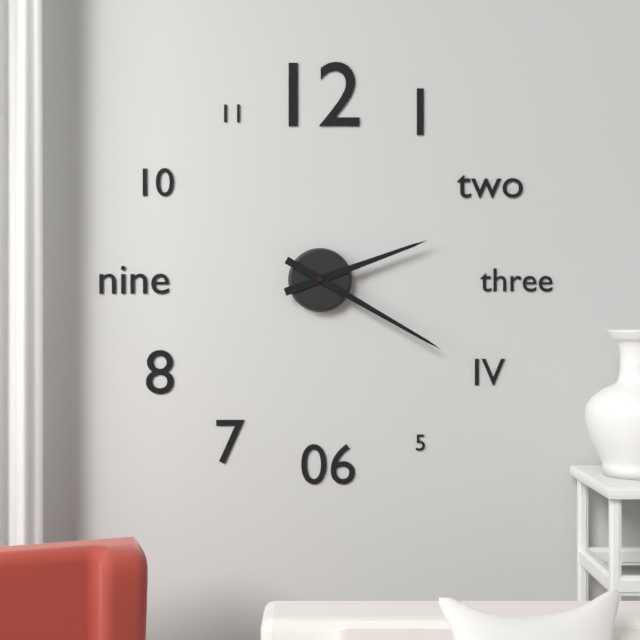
{"hour": 2, "minute": 20}
